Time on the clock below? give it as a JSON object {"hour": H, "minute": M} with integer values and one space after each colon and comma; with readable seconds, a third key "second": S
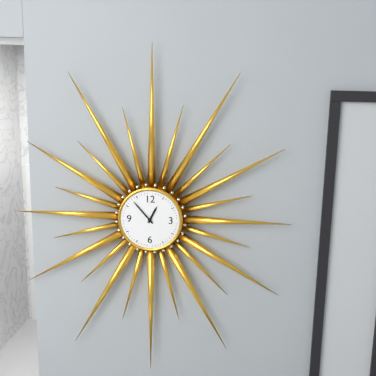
{"hour": 12, "minute": 53}
